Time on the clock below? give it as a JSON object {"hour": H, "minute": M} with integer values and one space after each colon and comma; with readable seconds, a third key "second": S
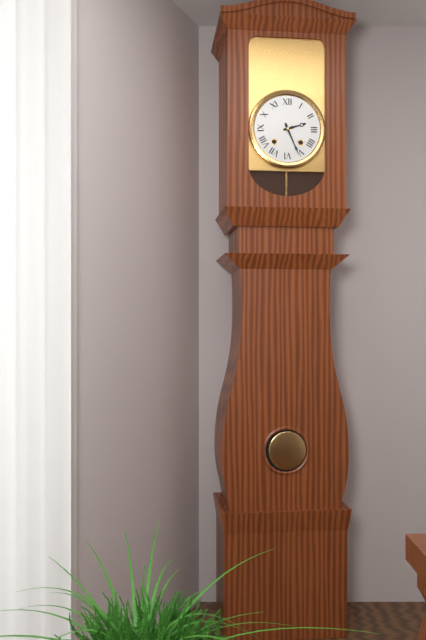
{"hour": 2, "minute": 26}
